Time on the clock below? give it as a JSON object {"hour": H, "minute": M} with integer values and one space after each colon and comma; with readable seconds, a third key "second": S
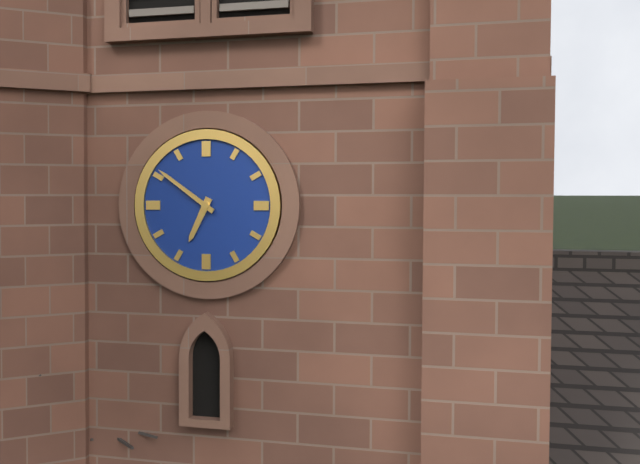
{"hour": 6, "minute": 51}
